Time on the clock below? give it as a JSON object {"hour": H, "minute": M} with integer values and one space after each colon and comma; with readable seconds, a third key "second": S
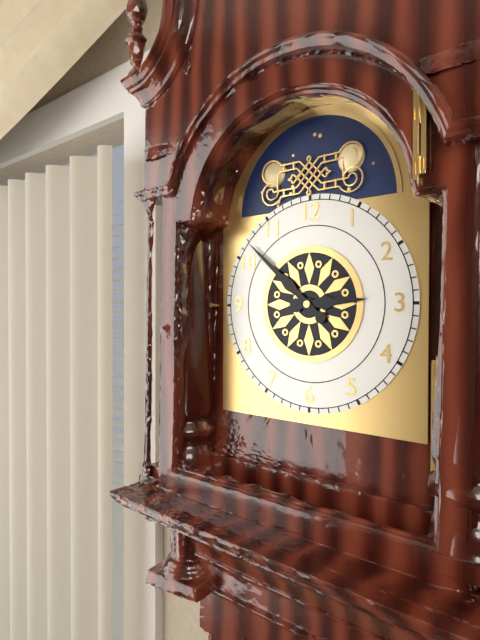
{"hour": 2, "minute": 52}
